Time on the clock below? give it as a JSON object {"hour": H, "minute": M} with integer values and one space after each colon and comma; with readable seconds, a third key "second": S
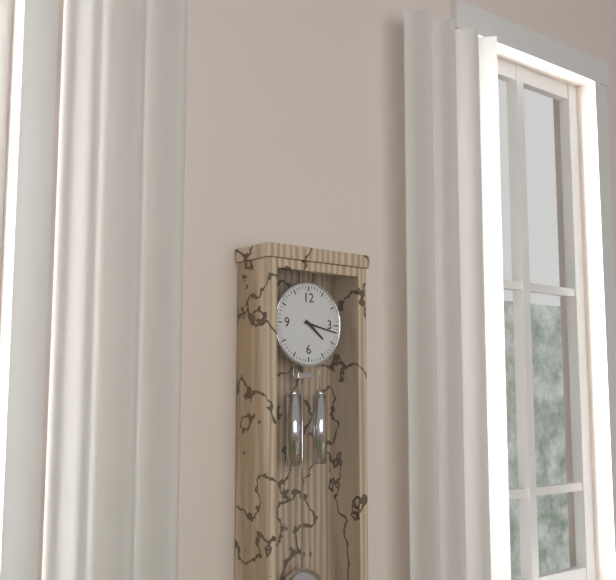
{"hour": 4, "minute": 17}
